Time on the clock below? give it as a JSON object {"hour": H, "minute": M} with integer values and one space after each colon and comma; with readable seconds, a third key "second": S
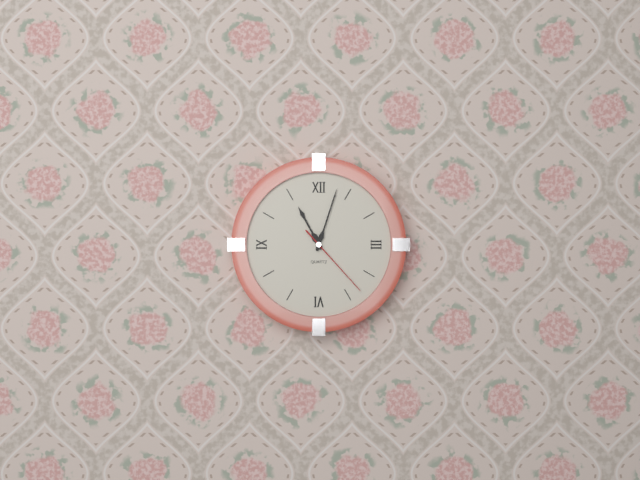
{"hour": 11, "minute": 3, "second": 23}
